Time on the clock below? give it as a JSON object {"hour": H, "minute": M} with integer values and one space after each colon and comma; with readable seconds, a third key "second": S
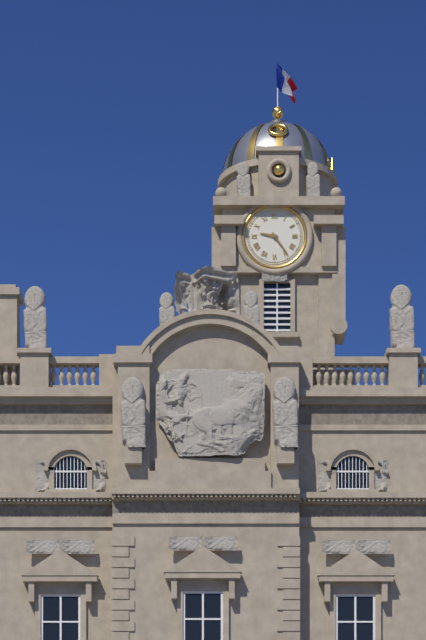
{"hour": 9, "minute": 24}
